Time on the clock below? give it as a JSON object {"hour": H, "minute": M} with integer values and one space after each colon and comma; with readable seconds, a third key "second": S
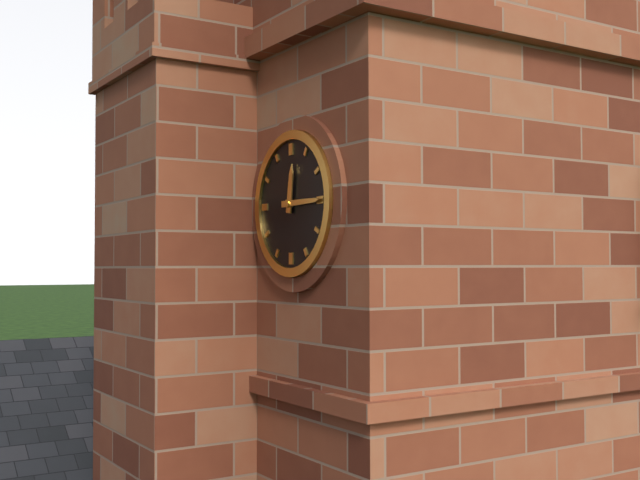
{"hour": 12, "minute": 15}
